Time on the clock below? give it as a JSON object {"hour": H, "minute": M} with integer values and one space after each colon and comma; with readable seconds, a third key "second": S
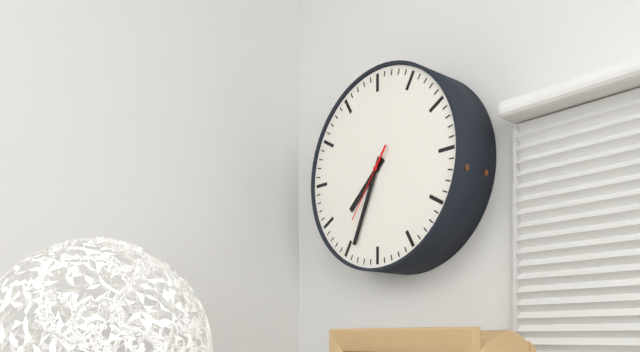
{"hour": 7, "minute": 34, "second": 36}
